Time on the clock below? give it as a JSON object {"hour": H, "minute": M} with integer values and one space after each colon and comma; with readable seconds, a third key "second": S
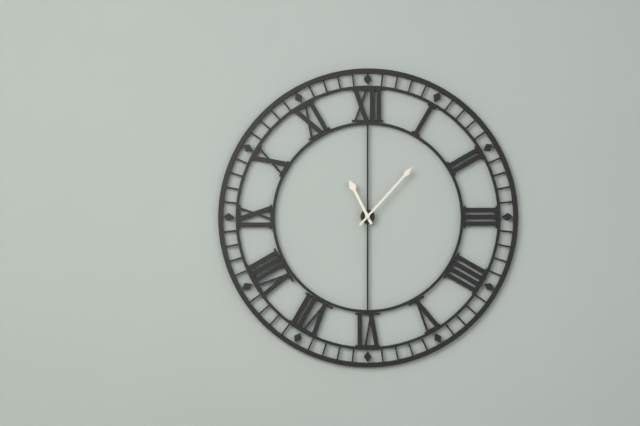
{"hour": 11, "minute": 7}
